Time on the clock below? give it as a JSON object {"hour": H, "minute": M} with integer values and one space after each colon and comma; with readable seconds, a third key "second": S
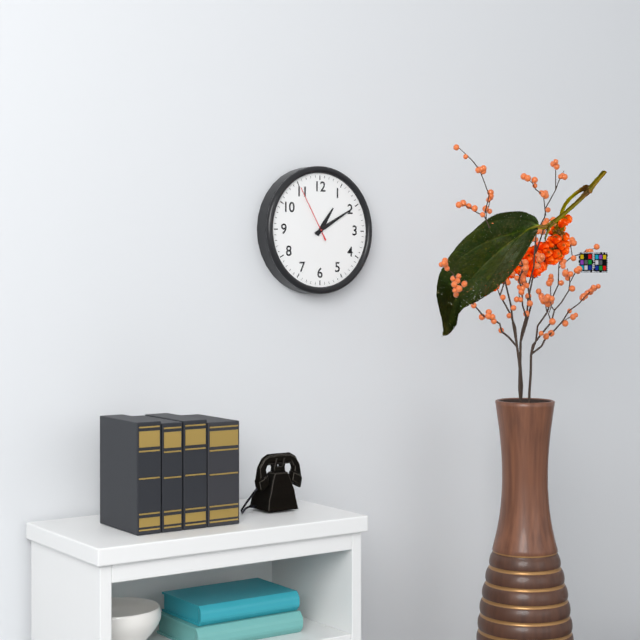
{"hour": 1, "minute": 10, "second": 55}
